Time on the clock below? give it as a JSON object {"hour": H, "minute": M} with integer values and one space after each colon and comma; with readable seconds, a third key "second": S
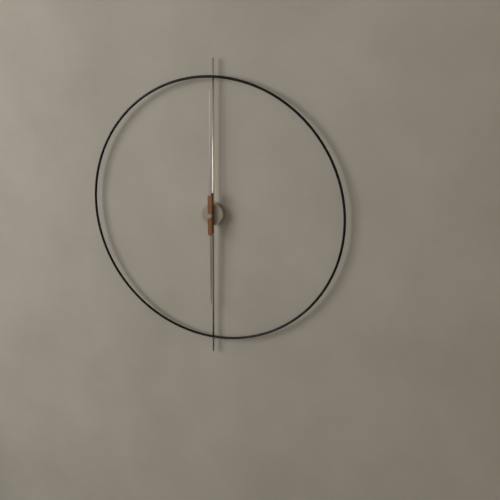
{"hour": 6, "minute": 0}
